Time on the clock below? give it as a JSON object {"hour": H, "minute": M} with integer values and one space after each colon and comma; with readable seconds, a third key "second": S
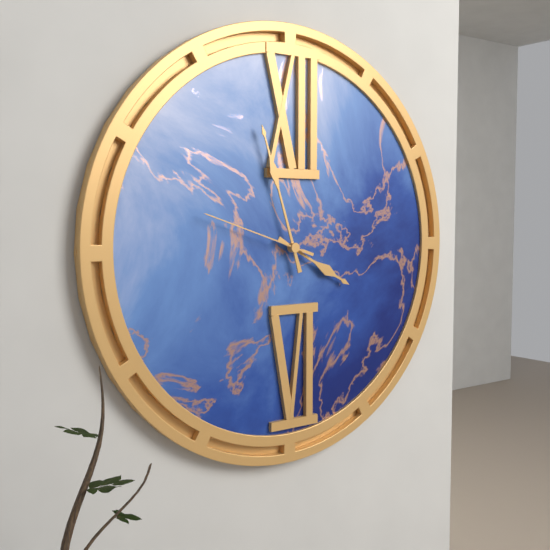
{"hour": 3, "minute": 57, "second": 48}
